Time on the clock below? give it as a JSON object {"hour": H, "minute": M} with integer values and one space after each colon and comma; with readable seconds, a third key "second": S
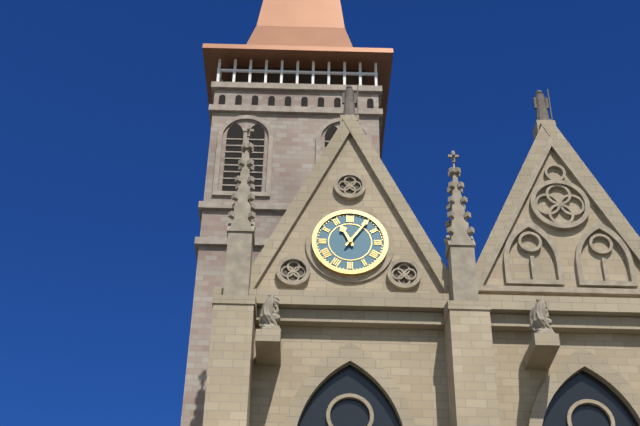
{"hour": 11, "minute": 6}
